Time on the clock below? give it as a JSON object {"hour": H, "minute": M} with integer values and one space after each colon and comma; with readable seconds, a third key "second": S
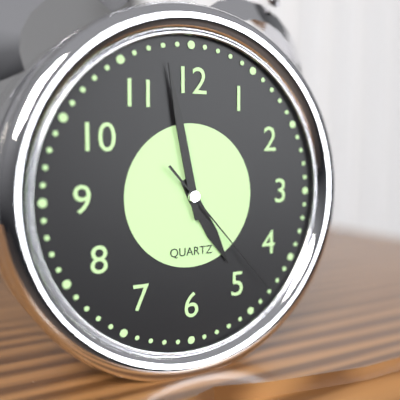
{"hour": 4, "minute": 58, "second": 23}
